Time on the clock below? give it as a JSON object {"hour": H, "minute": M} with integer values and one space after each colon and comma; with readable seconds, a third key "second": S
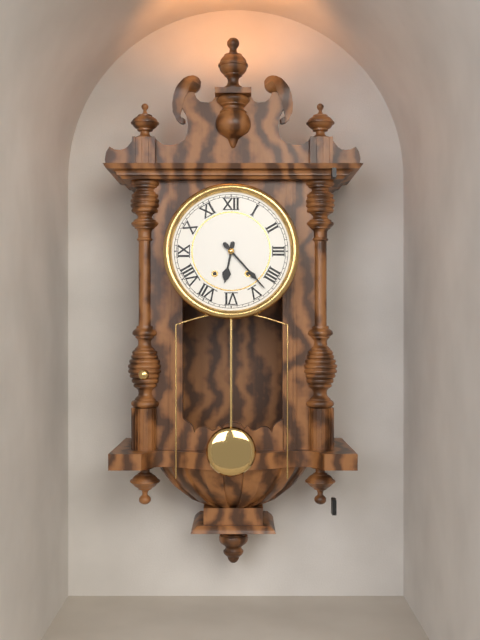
{"hour": 6, "minute": 23}
